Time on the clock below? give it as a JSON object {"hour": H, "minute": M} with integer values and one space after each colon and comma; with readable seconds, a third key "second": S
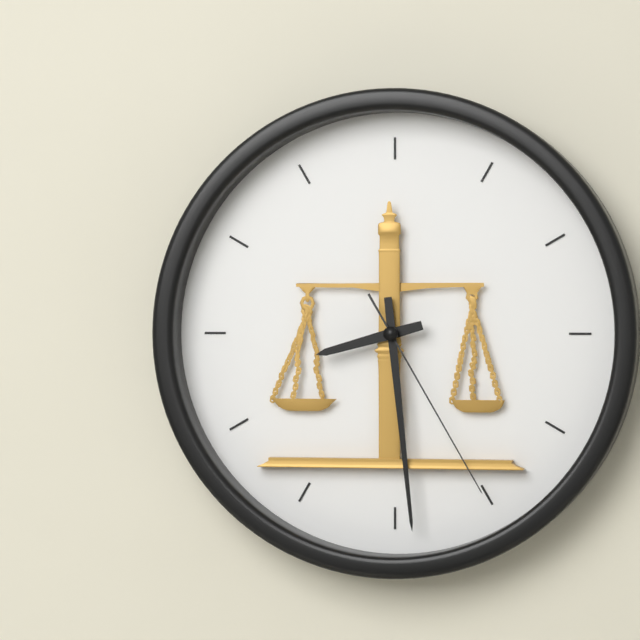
{"hour": 8, "minute": 29, "second": 25}
